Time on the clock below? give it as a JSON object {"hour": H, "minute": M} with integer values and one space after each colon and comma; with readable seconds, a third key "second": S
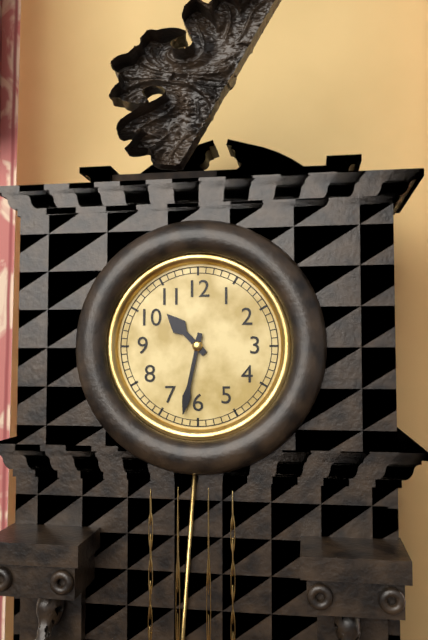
{"hour": 10, "minute": 32}
